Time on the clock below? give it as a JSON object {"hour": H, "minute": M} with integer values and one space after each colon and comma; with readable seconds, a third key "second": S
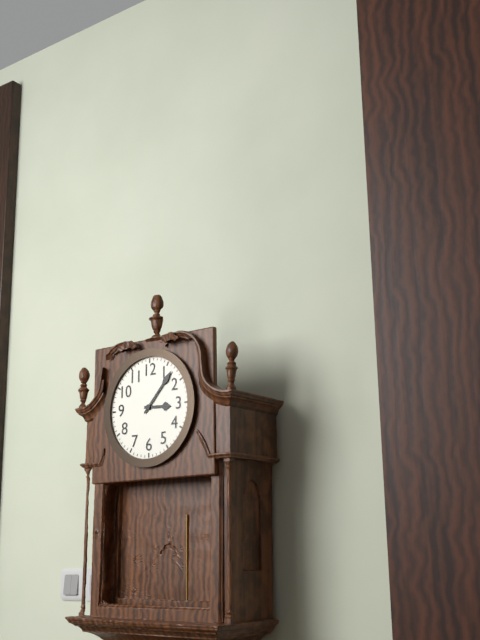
{"hour": 3, "minute": 7}
